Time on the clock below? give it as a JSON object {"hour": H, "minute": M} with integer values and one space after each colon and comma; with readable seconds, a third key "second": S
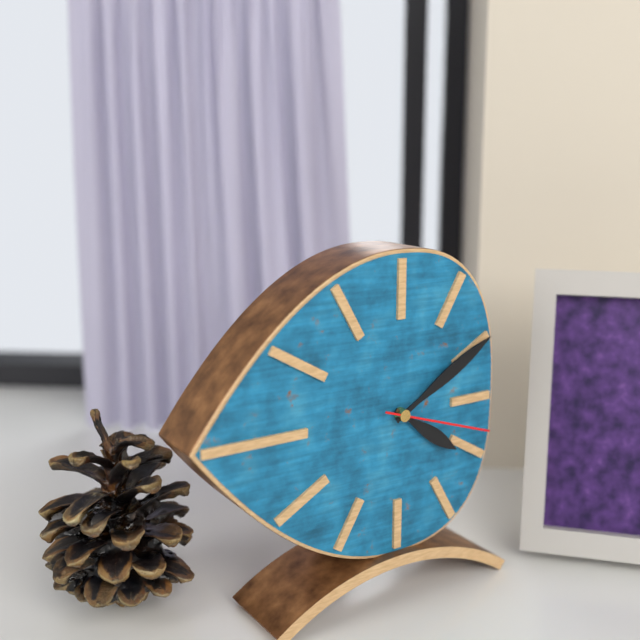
{"hour": 4, "minute": 10, "second": 18}
